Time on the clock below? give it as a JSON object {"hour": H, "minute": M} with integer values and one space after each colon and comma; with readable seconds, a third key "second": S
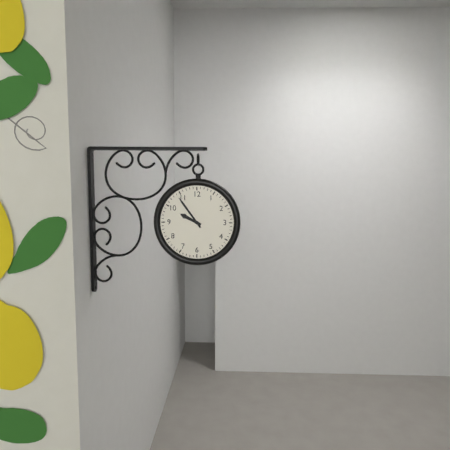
{"hour": 9, "minute": 54}
